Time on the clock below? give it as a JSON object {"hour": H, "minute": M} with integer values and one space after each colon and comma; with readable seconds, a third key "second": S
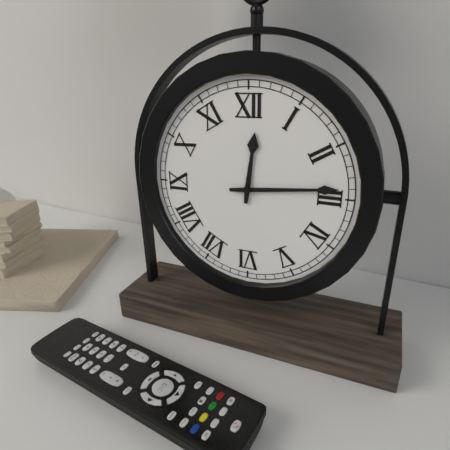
{"hour": 12, "minute": 14}
